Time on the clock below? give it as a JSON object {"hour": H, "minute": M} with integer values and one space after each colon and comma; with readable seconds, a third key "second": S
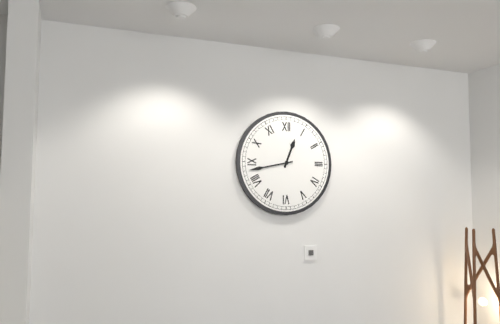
{"hour": 12, "minute": 43}
